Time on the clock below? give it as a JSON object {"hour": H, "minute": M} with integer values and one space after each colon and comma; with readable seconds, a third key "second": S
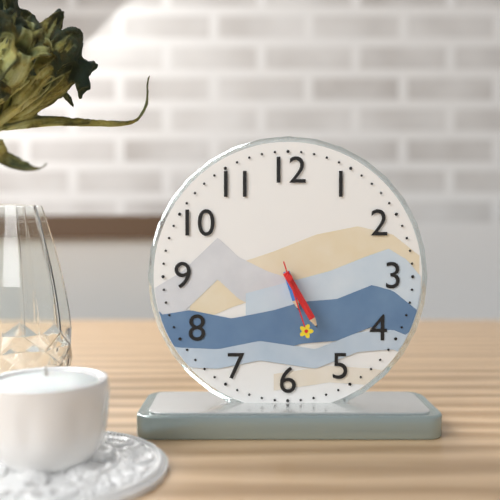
{"hour": 5, "minute": 25, "second": 27}
